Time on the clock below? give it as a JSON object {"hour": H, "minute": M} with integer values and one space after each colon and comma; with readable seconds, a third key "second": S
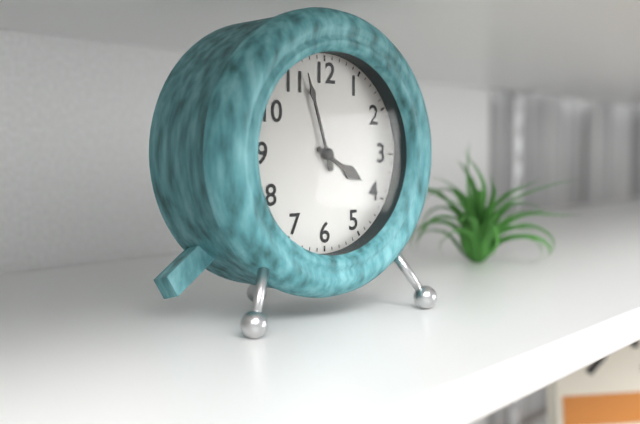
{"hour": 3, "minute": 57}
